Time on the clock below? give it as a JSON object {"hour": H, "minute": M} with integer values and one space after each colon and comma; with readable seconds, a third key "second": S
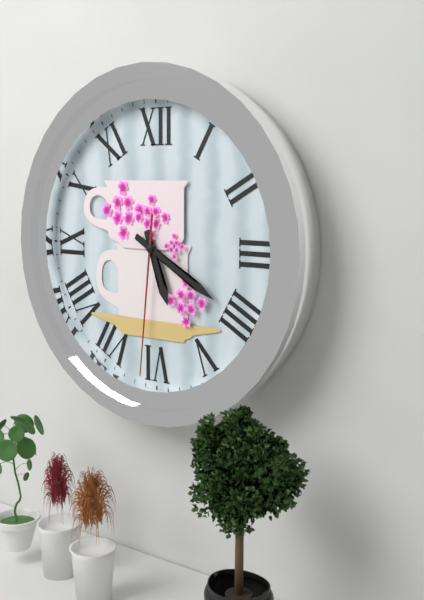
{"hour": 5, "minute": 20, "second": 31}
